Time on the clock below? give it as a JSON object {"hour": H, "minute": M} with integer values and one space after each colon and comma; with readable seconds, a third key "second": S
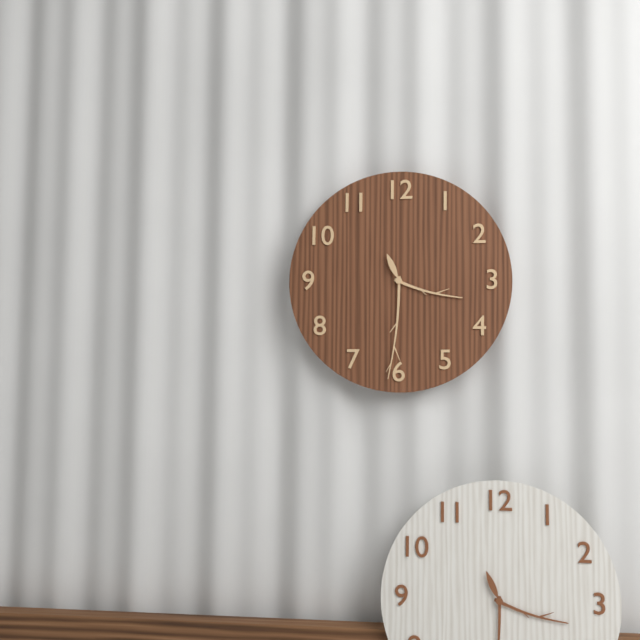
{"hour": 3, "minute": 31}
